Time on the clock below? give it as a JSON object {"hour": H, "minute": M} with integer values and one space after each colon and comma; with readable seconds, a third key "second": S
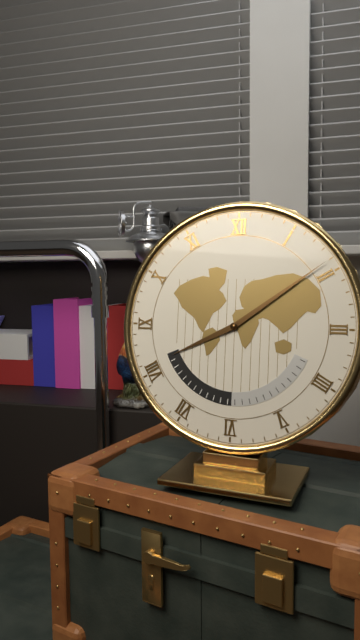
{"hour": 8, "minute": 9}
